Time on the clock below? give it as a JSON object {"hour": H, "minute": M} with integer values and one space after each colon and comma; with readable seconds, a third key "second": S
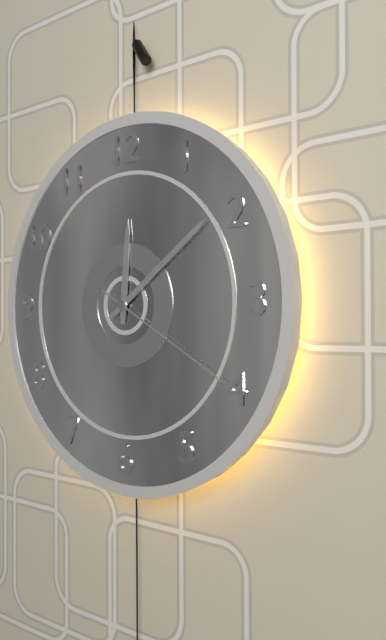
{"hour": 12, "minute": 9, "second": 20}
